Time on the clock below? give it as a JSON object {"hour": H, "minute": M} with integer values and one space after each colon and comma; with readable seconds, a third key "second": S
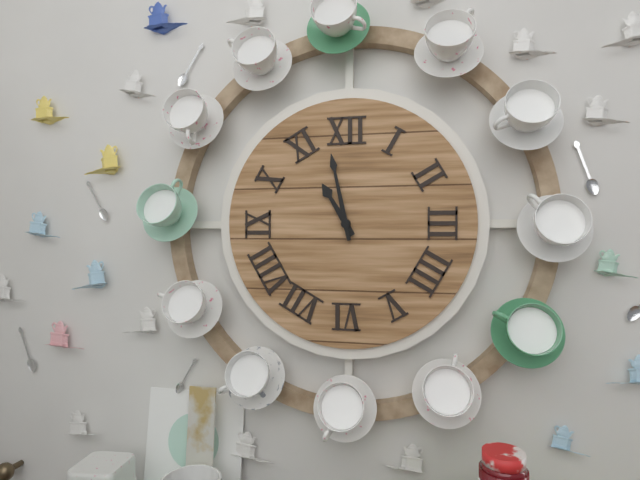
{"hour": 10, "minute": 58}
